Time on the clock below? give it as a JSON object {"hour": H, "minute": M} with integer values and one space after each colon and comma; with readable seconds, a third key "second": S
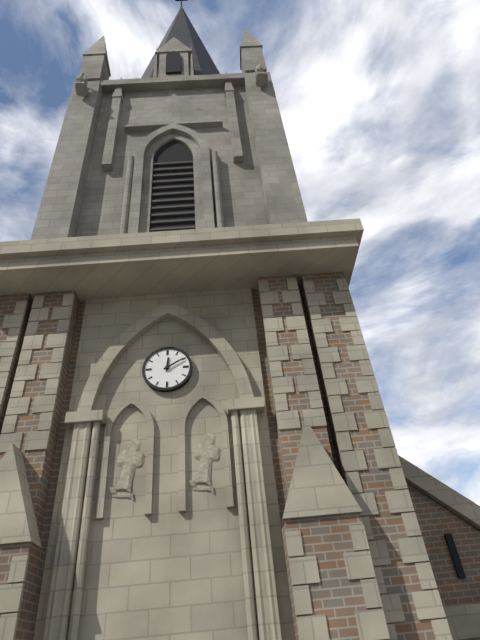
{"hour": 12, "minute": 10}
